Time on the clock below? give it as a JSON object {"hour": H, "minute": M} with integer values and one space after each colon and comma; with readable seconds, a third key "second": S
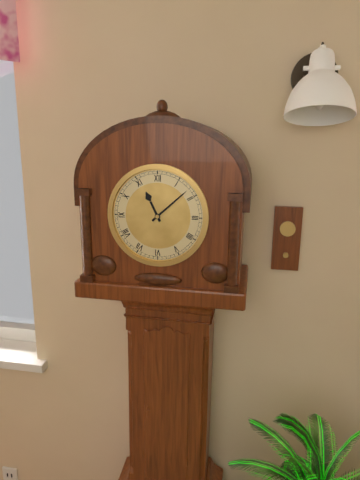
{"hour": 11, "minute": 8}
